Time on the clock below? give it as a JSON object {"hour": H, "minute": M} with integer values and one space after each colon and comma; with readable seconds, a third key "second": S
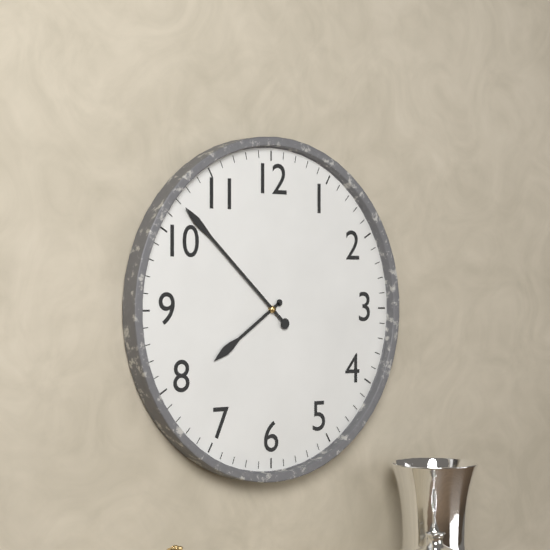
{"hour": 7, "minute": 52}
